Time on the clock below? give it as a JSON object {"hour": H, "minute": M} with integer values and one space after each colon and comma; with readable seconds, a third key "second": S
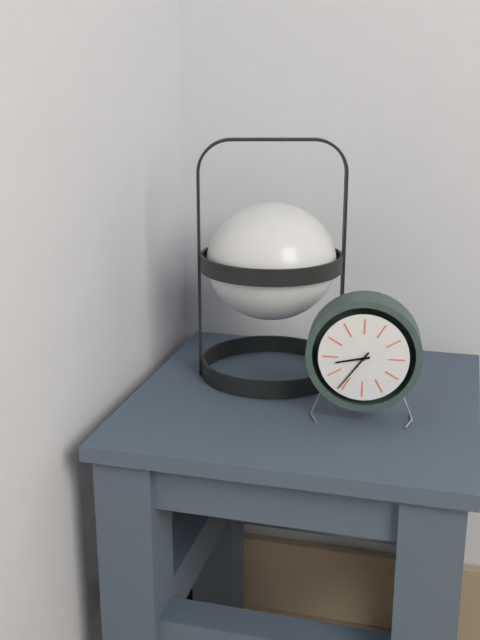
{"hour": 8, "minute": 36}
